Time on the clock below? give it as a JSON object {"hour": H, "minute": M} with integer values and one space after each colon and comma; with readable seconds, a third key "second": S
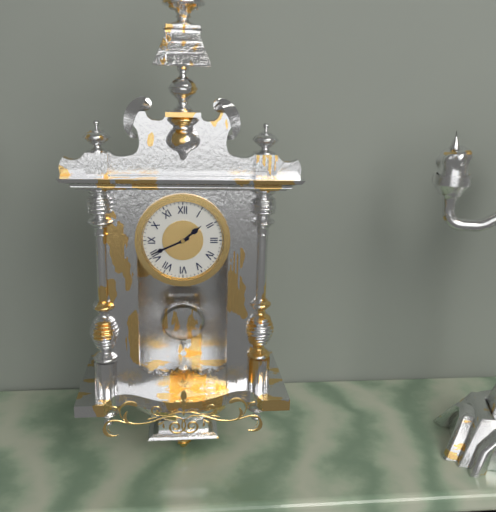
{"hour": 1, "minute": 41}
